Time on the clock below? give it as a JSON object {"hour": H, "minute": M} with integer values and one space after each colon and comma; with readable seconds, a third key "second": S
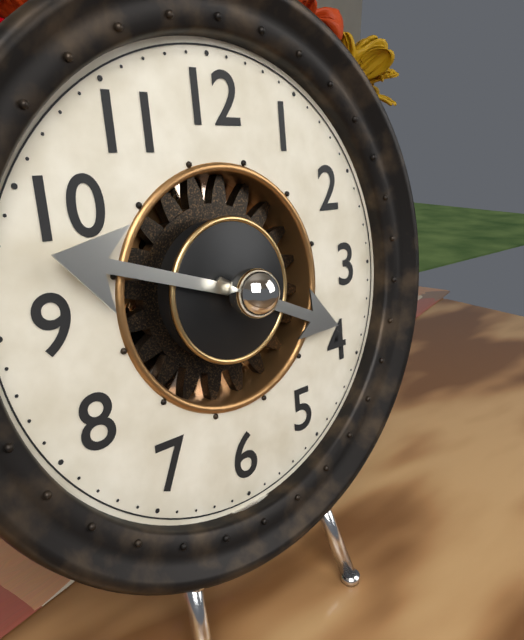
{"hour": 3, "minute": 48}
